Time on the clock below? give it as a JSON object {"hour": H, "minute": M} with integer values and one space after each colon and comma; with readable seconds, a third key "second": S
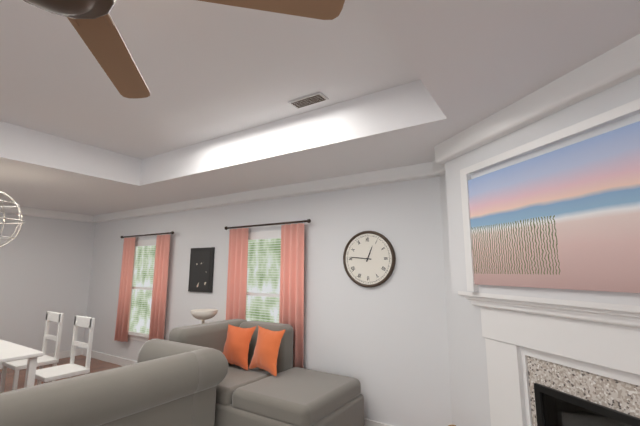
{"hour": 12, "minute": 46}
